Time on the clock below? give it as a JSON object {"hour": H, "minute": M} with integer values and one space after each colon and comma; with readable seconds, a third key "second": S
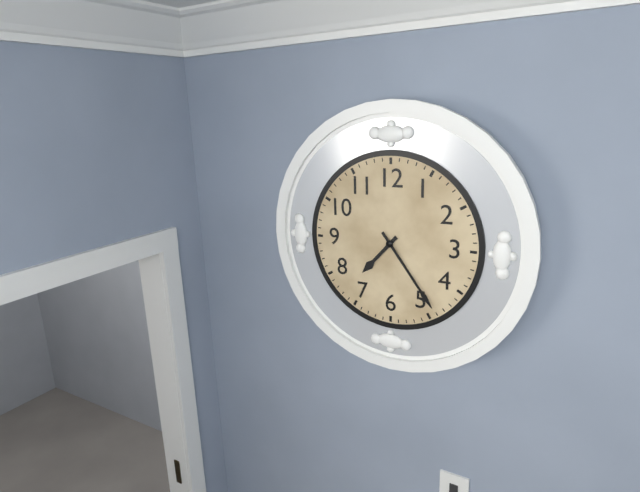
{"hour": 7, "minute": 24}
